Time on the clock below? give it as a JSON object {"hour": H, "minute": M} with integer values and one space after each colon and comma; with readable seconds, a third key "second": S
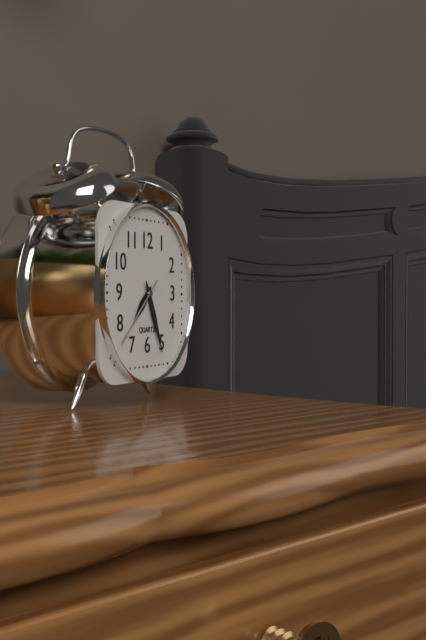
{"hour": 7, "minute": 26, "second": 38}
